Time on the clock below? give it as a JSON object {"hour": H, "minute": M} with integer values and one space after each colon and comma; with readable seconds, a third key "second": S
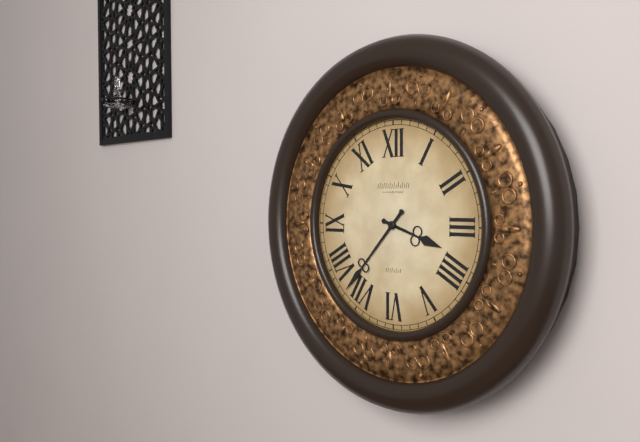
{"hour": 3, "minute": 37}
